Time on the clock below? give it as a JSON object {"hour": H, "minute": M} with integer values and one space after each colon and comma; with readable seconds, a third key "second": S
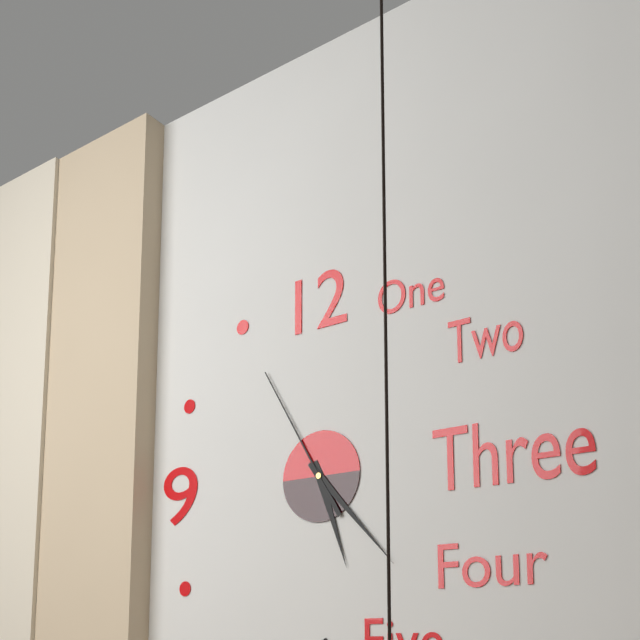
{"hour": 5, "minute": 23, "second": 55}
